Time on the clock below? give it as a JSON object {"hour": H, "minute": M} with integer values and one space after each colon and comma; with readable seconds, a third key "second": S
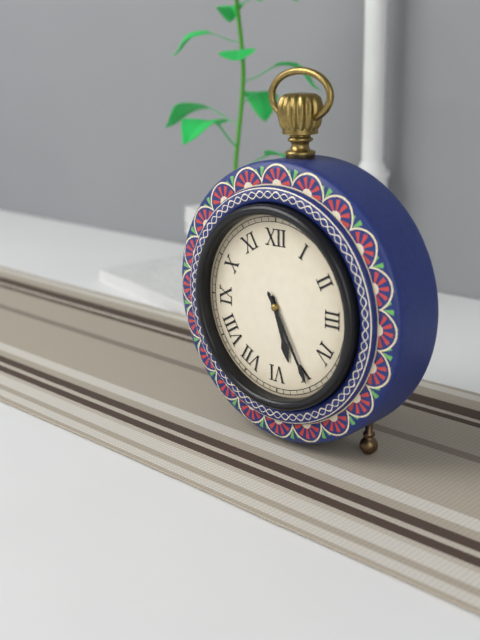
{"hour": 5, "minute": 25}
